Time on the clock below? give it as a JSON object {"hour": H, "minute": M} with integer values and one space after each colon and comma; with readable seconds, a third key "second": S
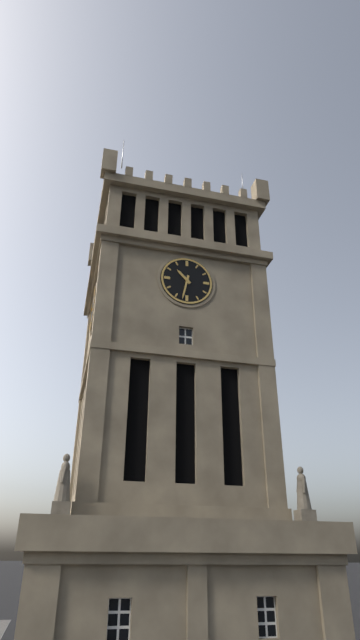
{"hour": 10, "minute": 32}
